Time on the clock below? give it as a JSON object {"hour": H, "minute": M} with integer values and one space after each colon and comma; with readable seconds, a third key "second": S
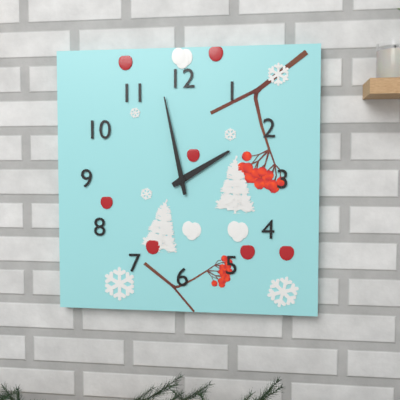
{"hour": 1, "minute": 58}
